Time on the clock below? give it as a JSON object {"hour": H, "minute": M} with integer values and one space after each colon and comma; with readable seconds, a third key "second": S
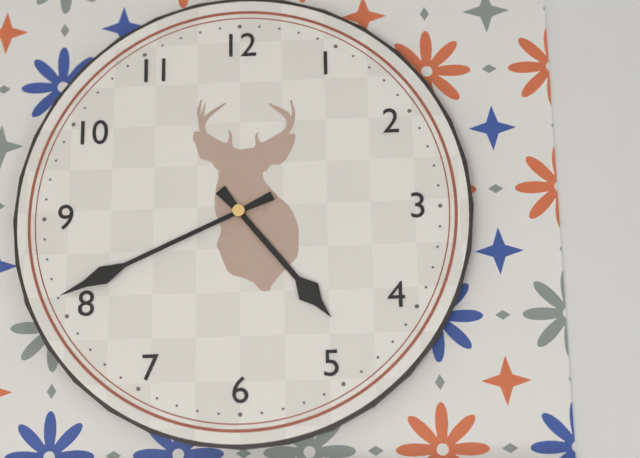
{"hour": 4, "minute": 41}
